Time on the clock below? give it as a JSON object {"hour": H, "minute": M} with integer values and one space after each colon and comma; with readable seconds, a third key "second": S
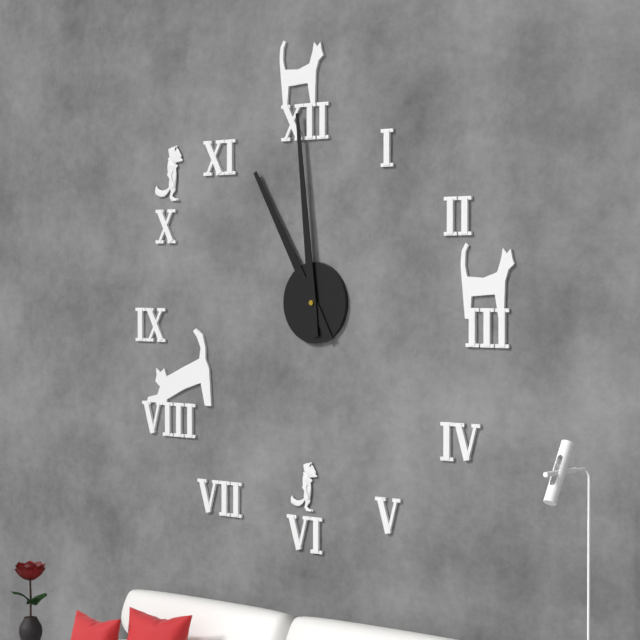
{"hour": 10, "minute": 59}
